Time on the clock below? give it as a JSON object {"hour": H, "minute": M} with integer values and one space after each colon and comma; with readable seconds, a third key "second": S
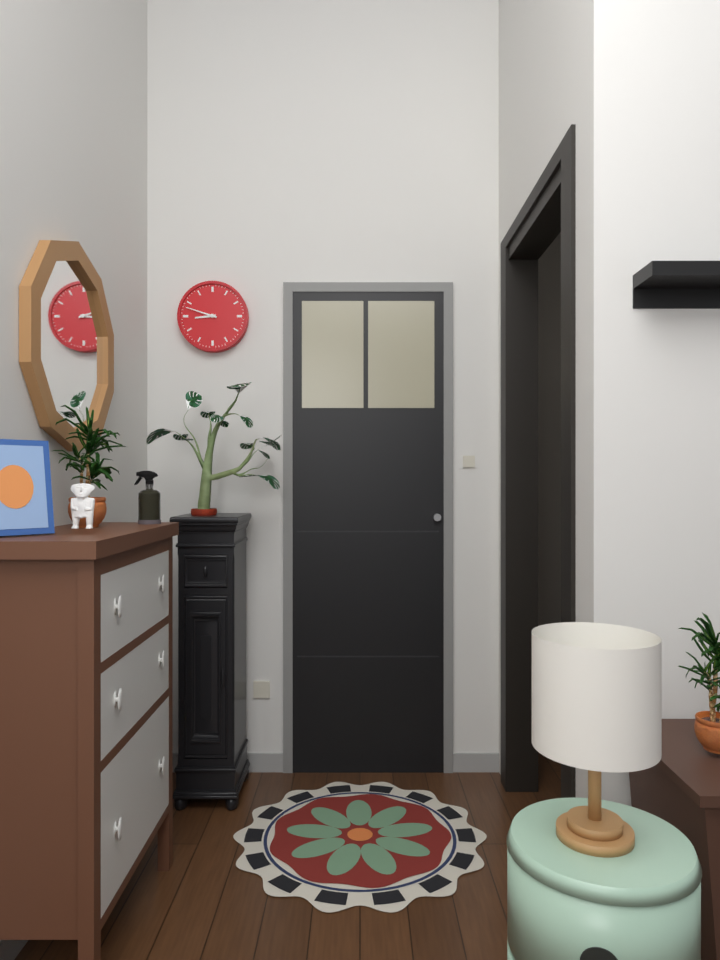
{"hour": 8, "minute": 48}
